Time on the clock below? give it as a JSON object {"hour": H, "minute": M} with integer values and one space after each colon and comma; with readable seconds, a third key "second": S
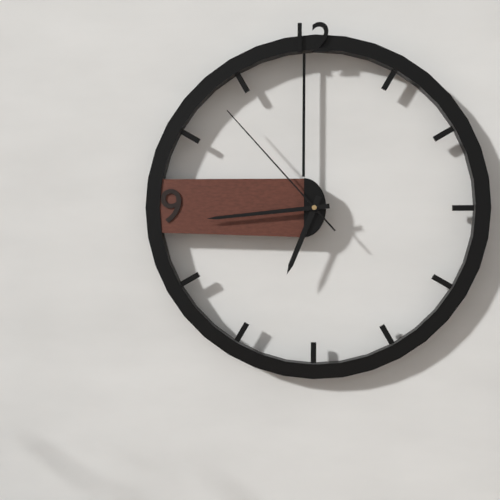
{"hour": 6, "minute": 44, "second": 53}
